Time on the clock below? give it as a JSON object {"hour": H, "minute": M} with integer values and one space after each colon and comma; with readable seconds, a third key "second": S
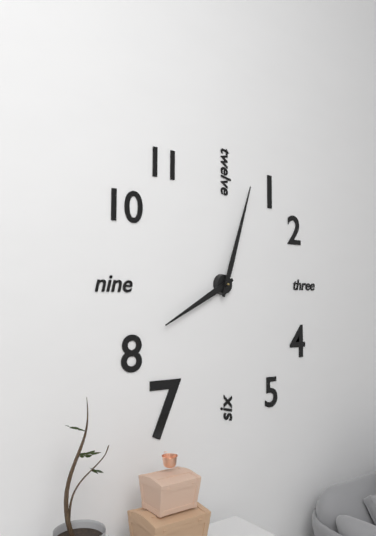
{"hour": 8, "minute": 3}
